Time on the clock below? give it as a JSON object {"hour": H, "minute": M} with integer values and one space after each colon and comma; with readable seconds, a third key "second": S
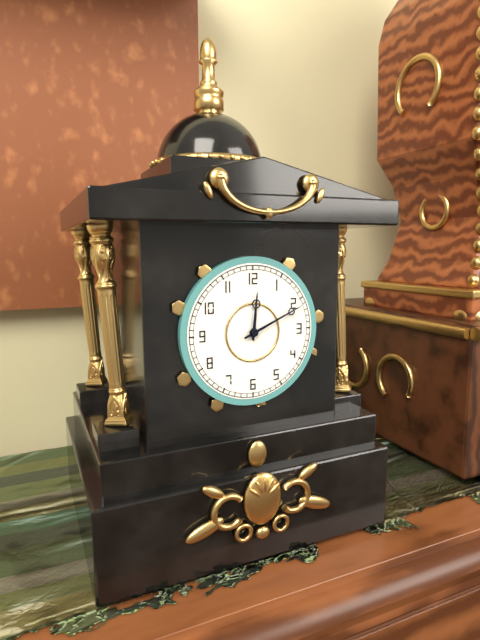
{"hour": 12, "minute": 11}
